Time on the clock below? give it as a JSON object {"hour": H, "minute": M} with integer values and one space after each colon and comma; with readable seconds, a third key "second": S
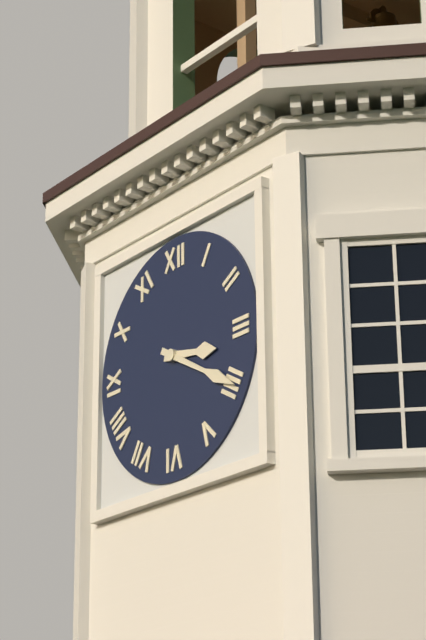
{"hour": 3, "minute": 20}
